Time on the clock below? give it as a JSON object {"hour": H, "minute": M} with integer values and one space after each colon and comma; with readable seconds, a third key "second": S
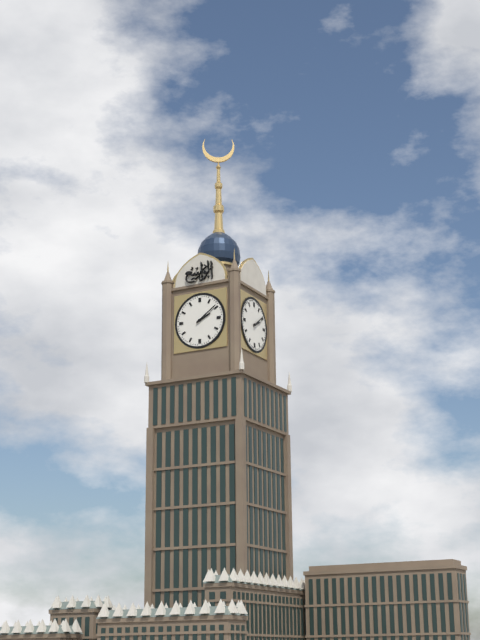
{"hour": 2, "minute": 9}
